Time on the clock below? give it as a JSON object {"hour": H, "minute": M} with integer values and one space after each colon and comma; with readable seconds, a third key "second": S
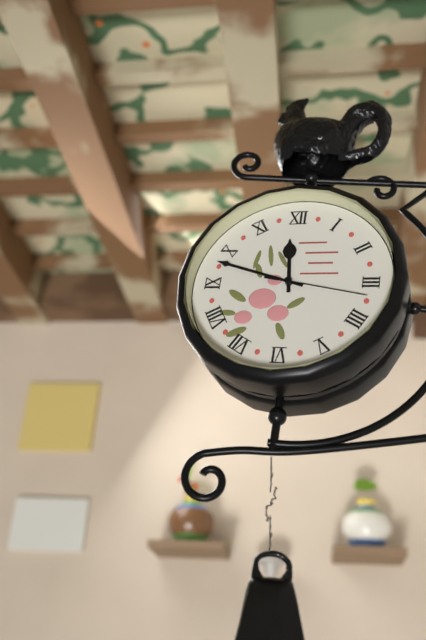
{"hour": 11, "minute": 48, "second": 17}
